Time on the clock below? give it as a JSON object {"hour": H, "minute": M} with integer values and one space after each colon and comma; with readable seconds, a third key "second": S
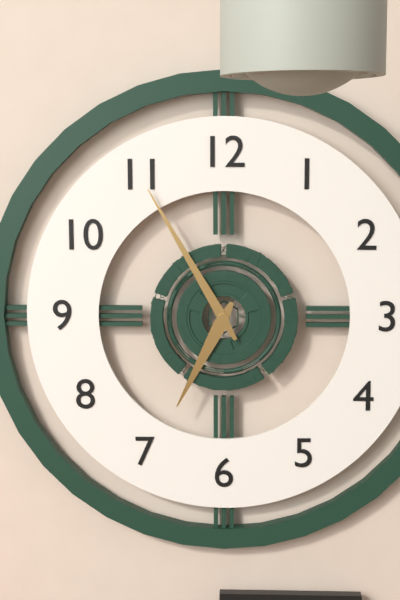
{"hour": 6, "minute": 55}
